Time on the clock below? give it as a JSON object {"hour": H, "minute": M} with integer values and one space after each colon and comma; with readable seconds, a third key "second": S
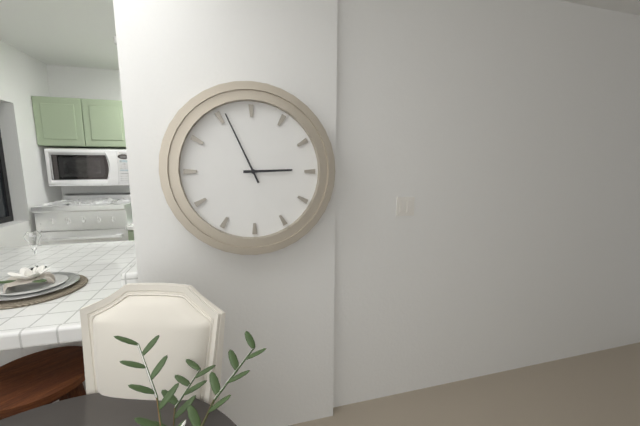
{"hour": 2, "minute": 56}
